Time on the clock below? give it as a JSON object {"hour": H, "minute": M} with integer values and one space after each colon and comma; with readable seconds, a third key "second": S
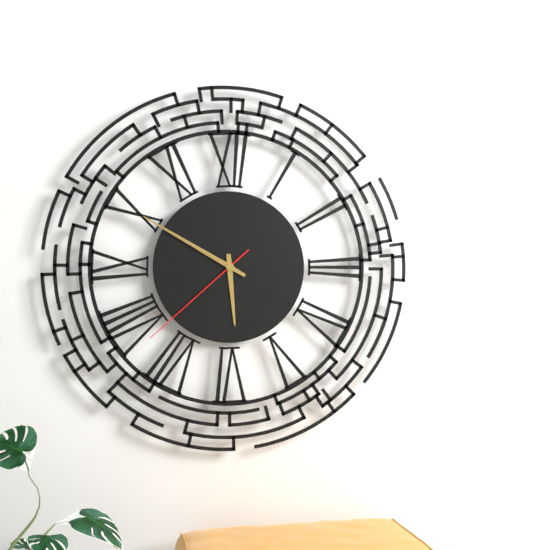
{"hour": 5, "minute": 50, "second": 38}
